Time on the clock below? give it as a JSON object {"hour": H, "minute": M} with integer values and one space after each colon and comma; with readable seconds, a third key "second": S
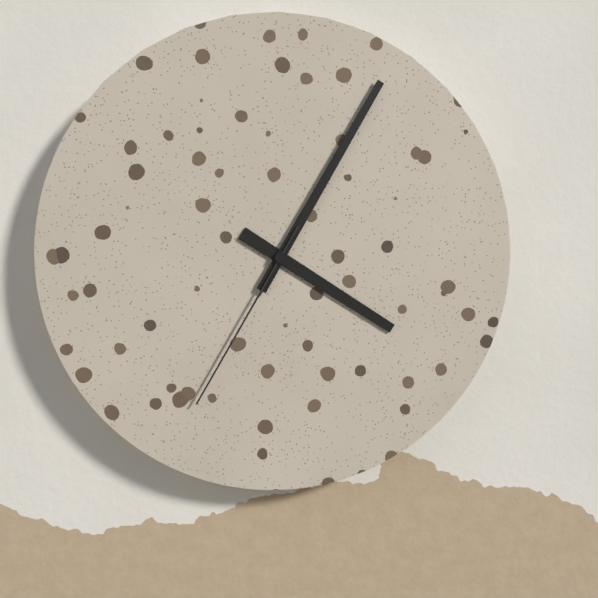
{"hour": 4, "minute": 5, "second": 35}
